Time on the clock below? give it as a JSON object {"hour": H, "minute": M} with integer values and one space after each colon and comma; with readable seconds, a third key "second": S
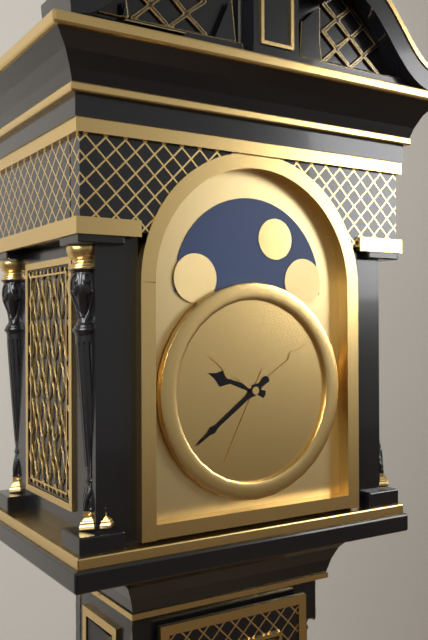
{"hour": 9, "minute": 39}
